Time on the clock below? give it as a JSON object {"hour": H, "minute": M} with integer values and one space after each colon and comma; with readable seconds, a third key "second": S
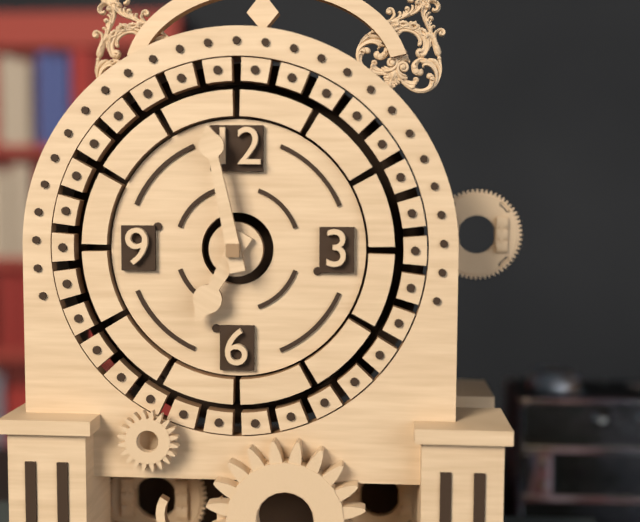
{"hour": 6, "minute": 58}
